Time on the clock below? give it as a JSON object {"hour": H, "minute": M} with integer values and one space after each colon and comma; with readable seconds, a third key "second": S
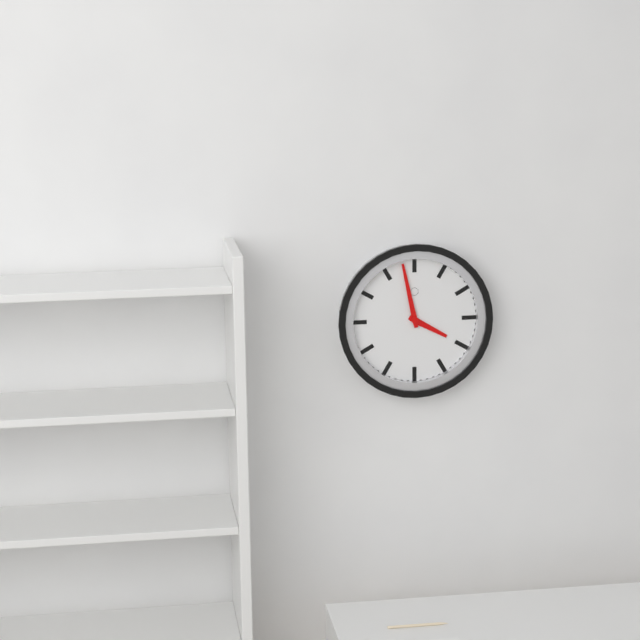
{"hour": 3, "minute": 58}
